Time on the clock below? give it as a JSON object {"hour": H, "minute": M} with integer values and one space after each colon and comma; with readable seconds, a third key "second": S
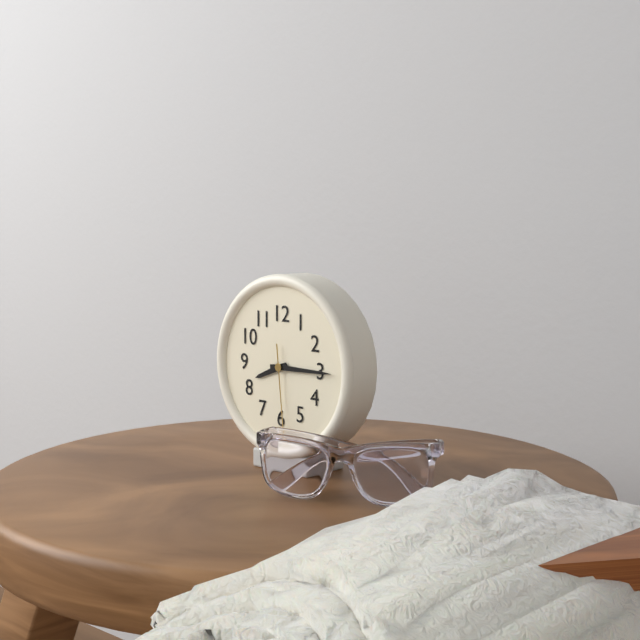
{"hour": 8, "minute": 15, "second": 29}
